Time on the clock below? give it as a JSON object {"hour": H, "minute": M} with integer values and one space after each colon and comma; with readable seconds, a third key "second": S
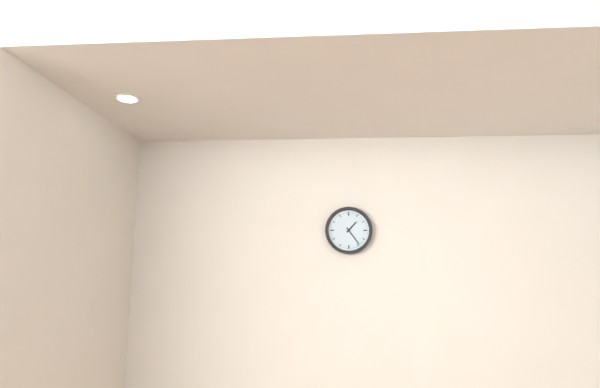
{"hour": 1, "minute": 24}
